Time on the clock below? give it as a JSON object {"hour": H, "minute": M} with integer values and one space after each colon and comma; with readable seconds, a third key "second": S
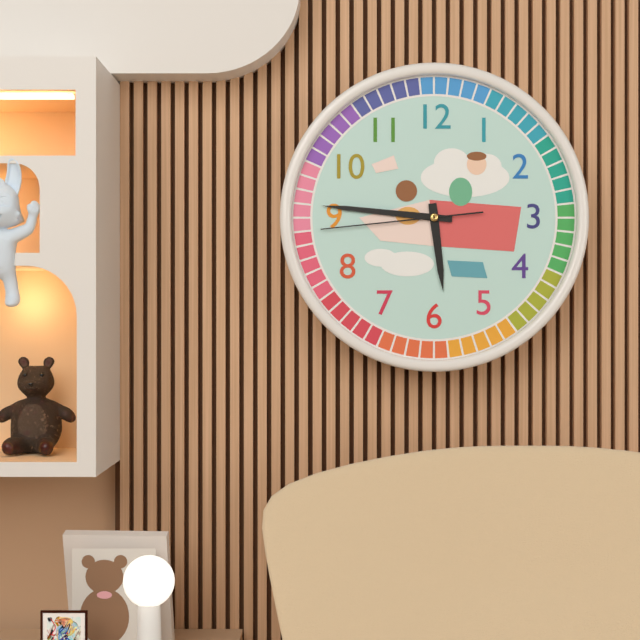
{"hour": 5, "minute": 46, "second": 44}
